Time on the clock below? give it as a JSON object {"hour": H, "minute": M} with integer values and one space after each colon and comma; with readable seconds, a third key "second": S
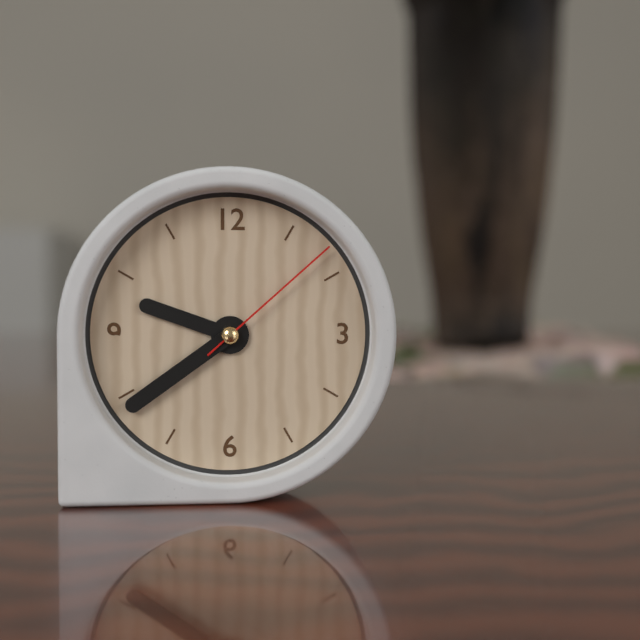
{"hour": 9, "minute": 39, "second": 8}
